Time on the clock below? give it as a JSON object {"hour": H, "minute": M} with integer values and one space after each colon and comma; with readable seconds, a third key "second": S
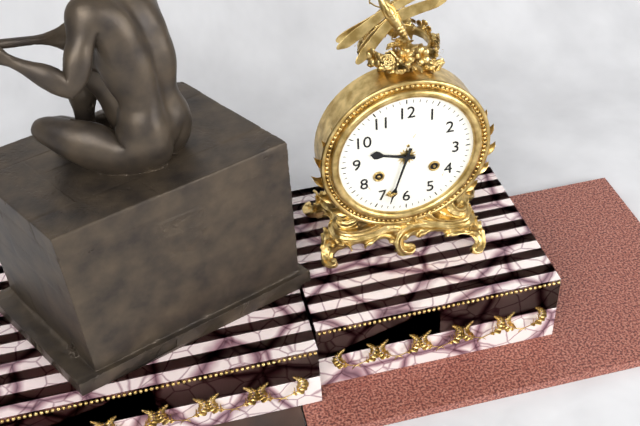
{"hour": 9, "minute": 33}
